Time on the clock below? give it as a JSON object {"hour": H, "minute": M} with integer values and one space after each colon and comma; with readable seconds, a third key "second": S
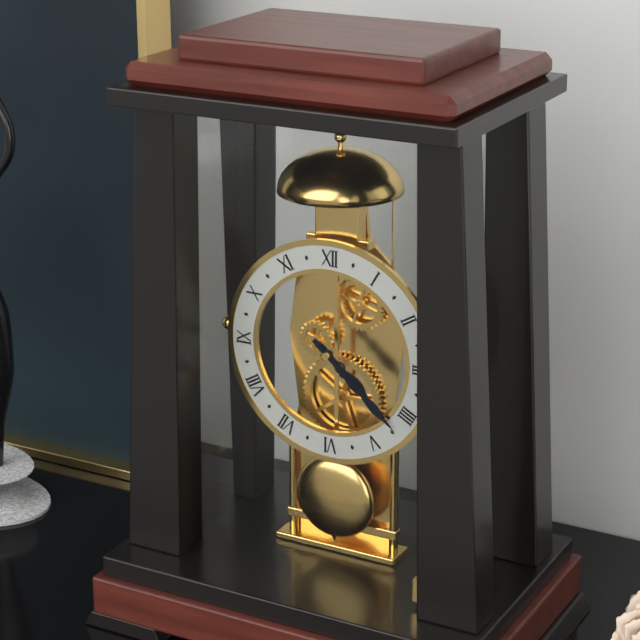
{"hour": 4, "minute": 22}
